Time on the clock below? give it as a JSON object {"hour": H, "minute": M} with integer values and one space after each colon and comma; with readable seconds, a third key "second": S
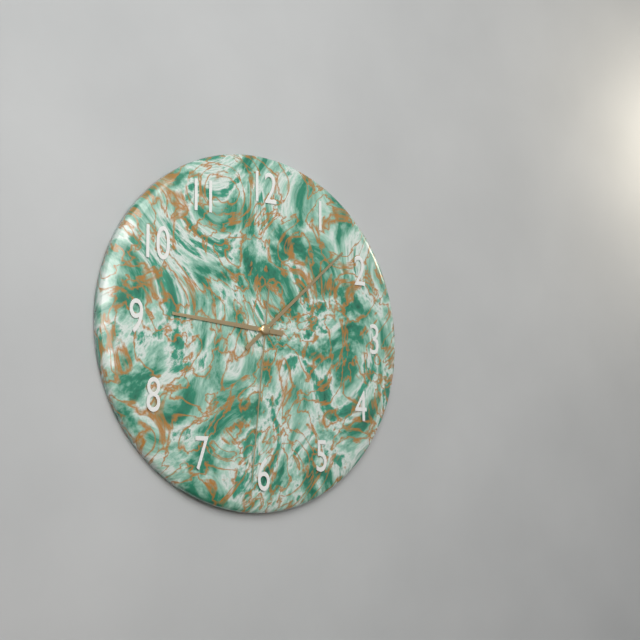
{"hour": 9, "minute": 8, "second": 31}
